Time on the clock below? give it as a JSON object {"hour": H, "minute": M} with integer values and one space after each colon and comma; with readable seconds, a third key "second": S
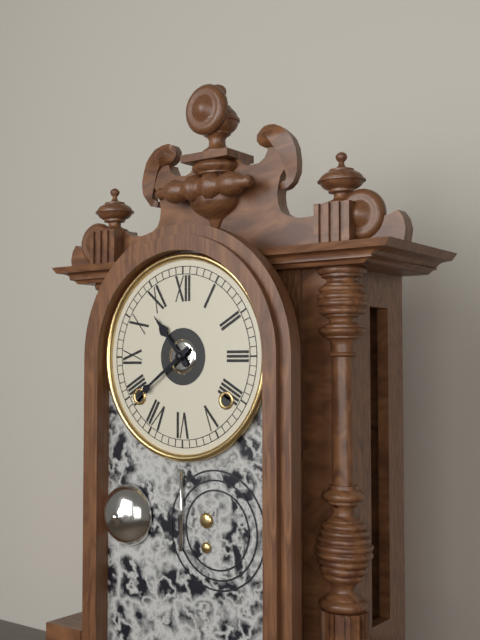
{"hour": 10, "minute": 39}
